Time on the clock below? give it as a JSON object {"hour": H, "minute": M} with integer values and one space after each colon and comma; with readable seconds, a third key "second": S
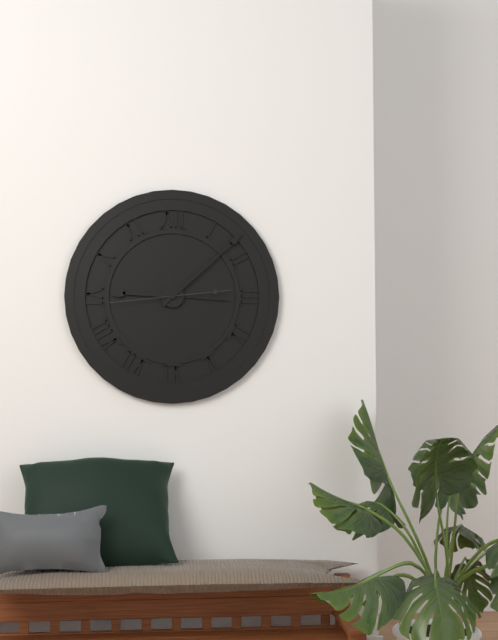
{"hour": 9, "minute": 8, "second": 44}
